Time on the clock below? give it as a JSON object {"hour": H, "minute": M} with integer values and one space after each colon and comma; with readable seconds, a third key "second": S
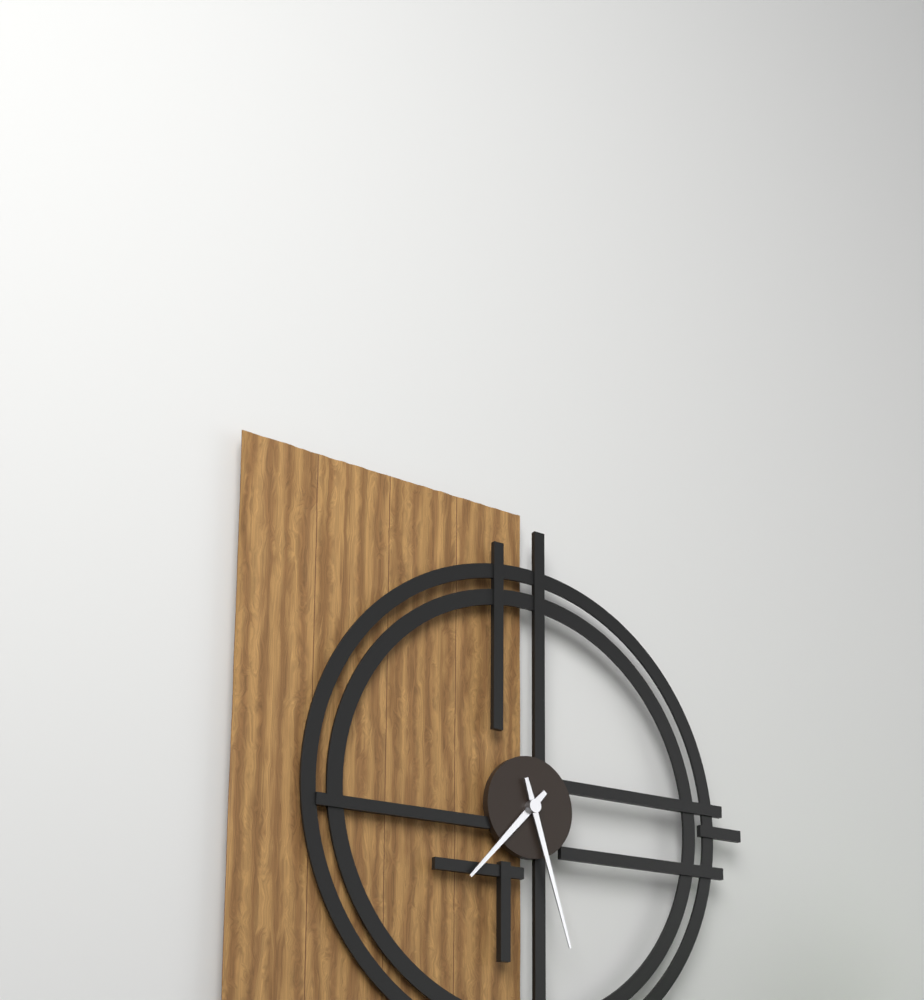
{"hour": 7, "minute": 27}
